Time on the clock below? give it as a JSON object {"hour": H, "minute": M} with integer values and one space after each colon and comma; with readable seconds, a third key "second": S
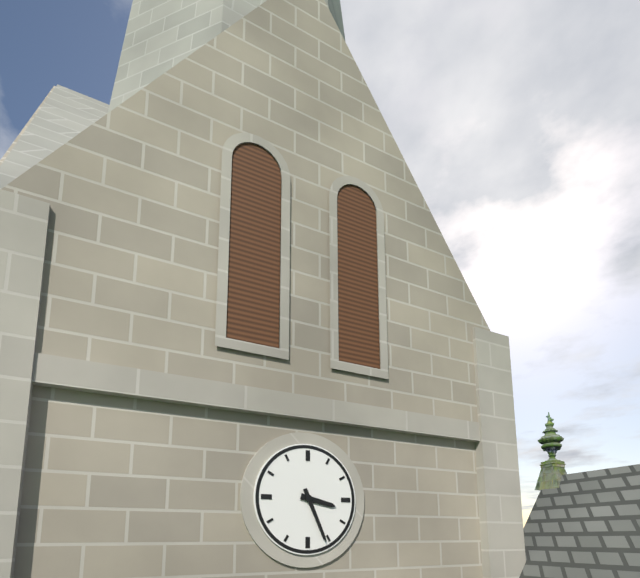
{"hour": 3, "minute": 26}
